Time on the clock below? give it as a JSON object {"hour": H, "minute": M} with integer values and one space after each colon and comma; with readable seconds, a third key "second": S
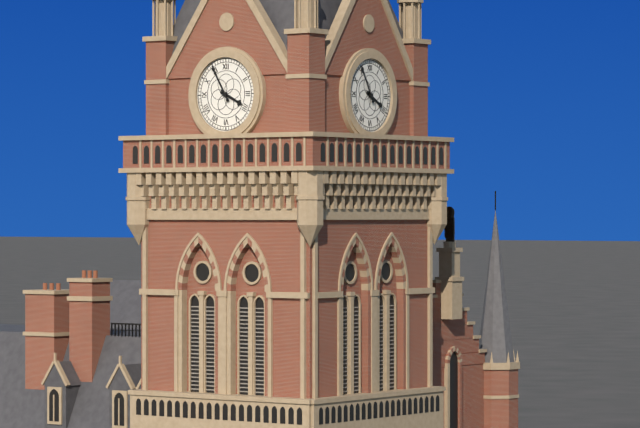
{"hour": 3, "minute": 55}
